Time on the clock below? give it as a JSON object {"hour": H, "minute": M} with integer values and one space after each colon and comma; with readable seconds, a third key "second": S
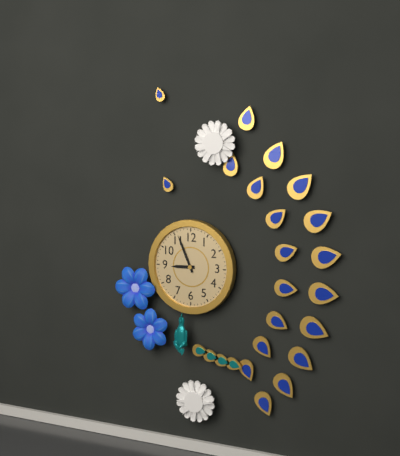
{"hour": 8, "minute": 56}
